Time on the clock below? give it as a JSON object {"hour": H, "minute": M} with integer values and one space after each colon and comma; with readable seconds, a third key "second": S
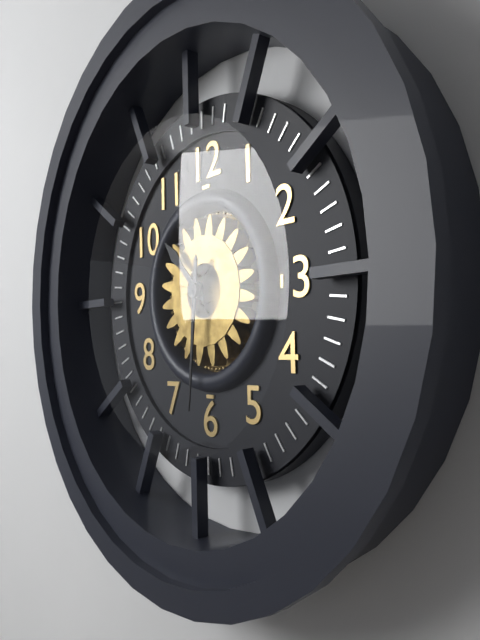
{"hour": 10, "minute": 31}
